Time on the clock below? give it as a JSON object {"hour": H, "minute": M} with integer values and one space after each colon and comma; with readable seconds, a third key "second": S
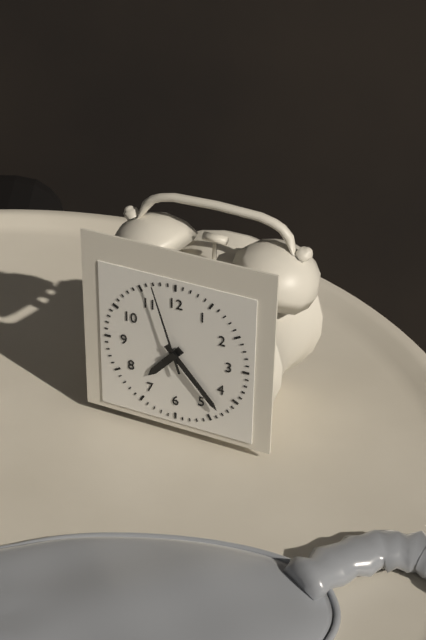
{"hour": 7, "minute": 23, "second": 57}
